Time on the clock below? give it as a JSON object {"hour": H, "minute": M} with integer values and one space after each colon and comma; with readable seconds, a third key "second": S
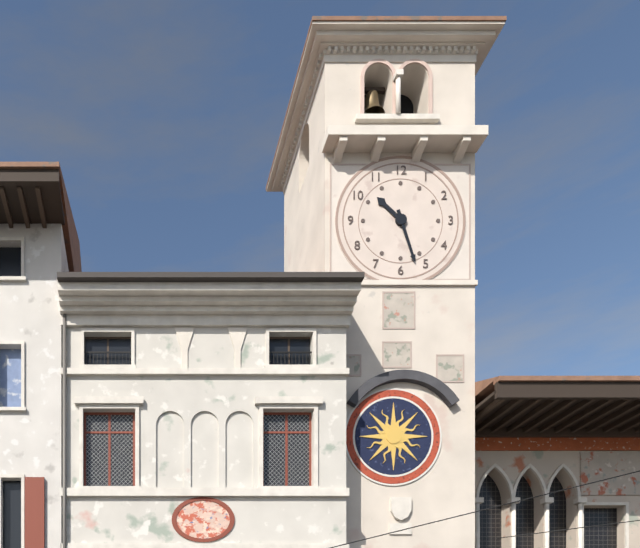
{"hour": 10, "minute": 27}
